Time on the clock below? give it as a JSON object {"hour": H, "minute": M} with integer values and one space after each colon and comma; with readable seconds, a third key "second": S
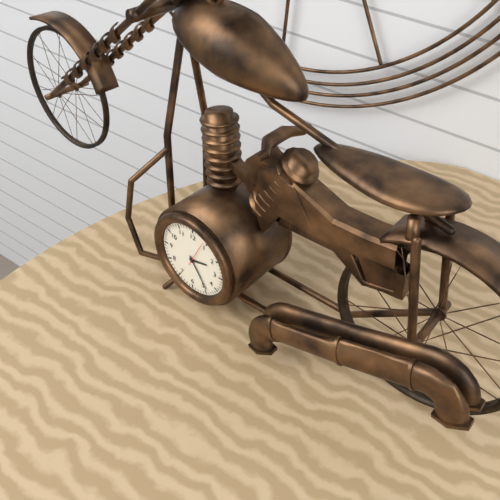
{"hour": 2, "minute": 24}
